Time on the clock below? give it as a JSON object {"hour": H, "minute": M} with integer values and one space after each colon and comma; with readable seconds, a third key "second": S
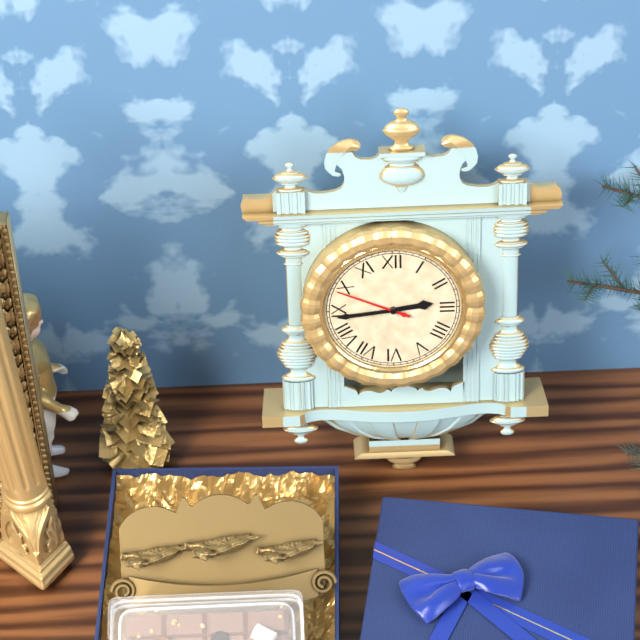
{"hour": 2, "minute": 44, "second": 49}
